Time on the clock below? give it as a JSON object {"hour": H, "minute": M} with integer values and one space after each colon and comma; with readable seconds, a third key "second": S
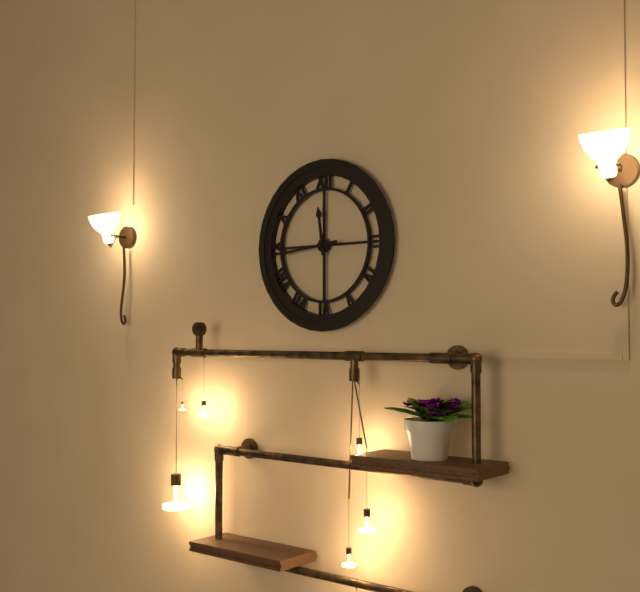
{"hour": 11, "minute": 44}
